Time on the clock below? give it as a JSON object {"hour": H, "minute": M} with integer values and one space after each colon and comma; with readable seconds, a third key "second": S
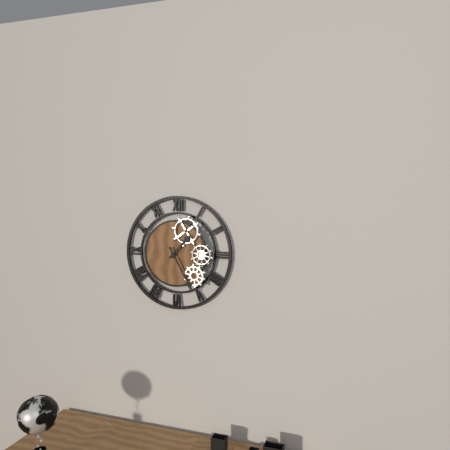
{"hour": 1, "minute": 25}
